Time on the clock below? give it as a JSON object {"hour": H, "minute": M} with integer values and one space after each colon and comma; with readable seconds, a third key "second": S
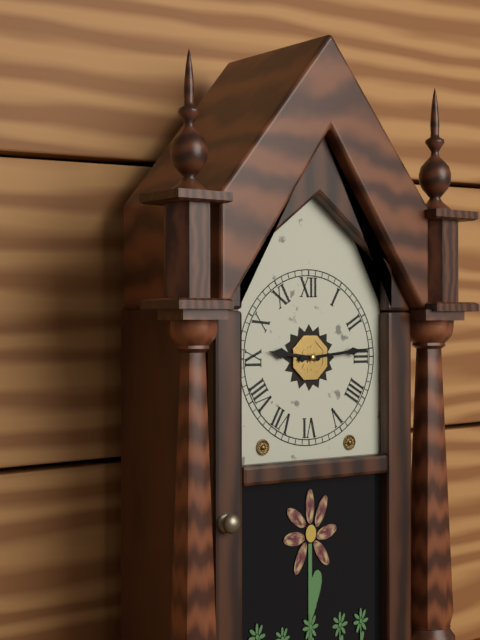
{"hour": 9, "minute": 14}
